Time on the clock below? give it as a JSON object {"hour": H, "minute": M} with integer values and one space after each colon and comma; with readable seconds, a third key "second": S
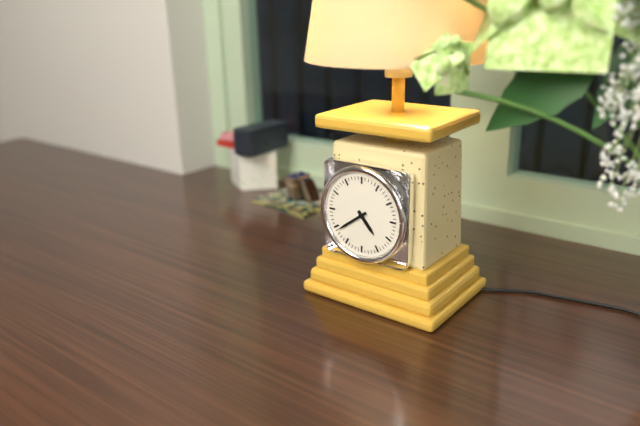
{"hour": 4, "minute": 39}
